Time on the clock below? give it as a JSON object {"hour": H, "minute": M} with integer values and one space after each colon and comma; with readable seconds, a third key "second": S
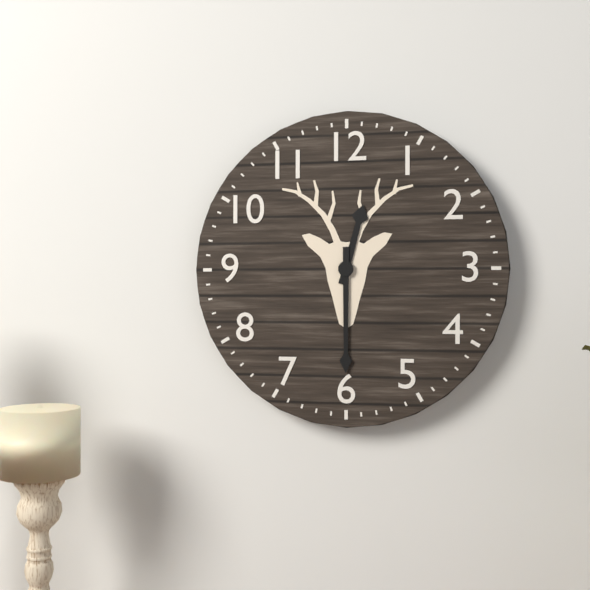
{"hour": 12, "minute": 30}
